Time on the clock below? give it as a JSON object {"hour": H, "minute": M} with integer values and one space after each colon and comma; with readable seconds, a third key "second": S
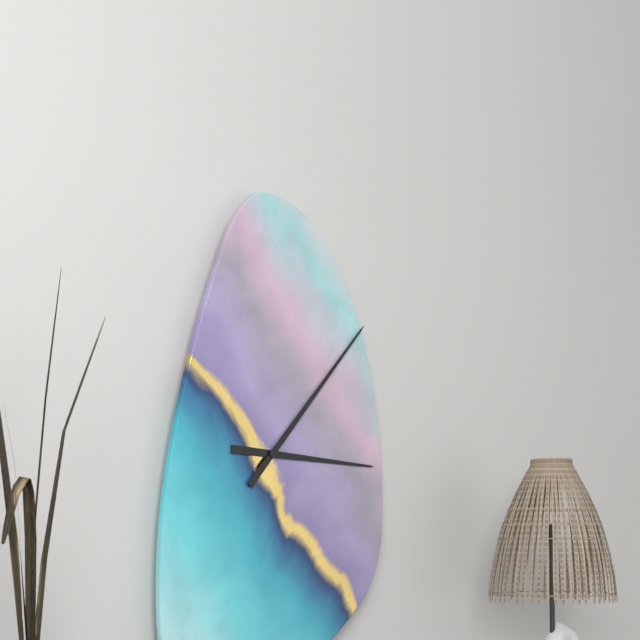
{"hour": 3, "minute": 7}
